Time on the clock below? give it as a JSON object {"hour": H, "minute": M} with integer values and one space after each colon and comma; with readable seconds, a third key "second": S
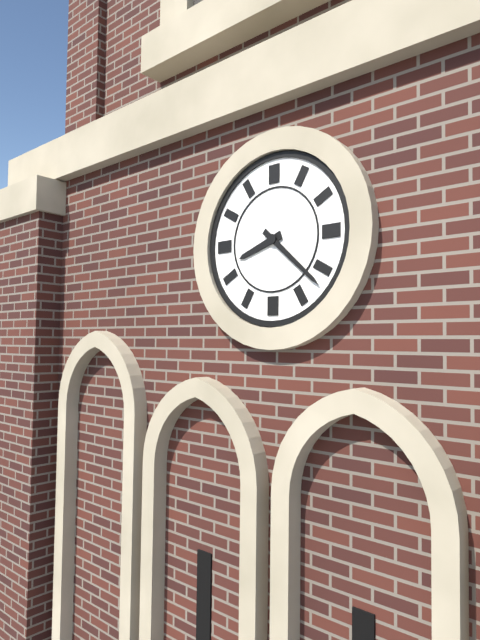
{"hour": 8, "minute": 22}
